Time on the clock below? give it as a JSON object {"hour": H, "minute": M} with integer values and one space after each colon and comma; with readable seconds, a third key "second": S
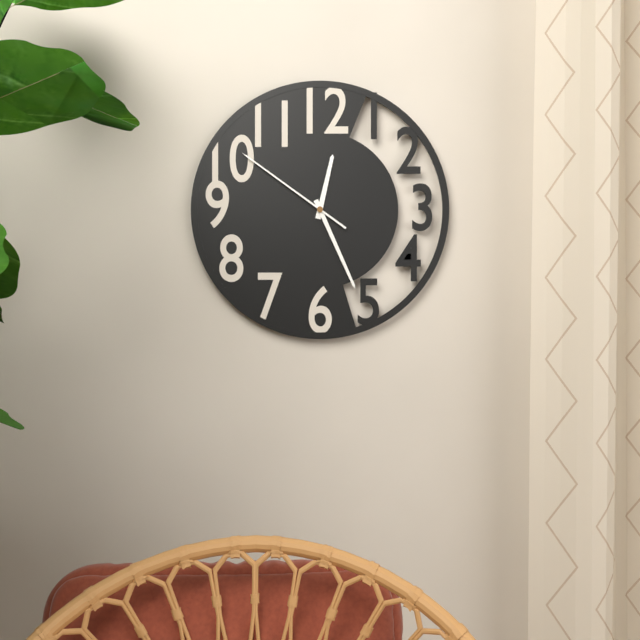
{"hour": 12, "minute": 26, "second": 51}
